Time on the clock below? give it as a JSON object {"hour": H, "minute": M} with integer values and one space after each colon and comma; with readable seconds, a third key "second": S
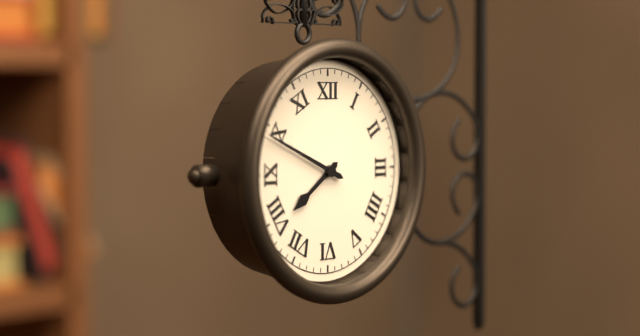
{"hour": 7, "minute": 49}
